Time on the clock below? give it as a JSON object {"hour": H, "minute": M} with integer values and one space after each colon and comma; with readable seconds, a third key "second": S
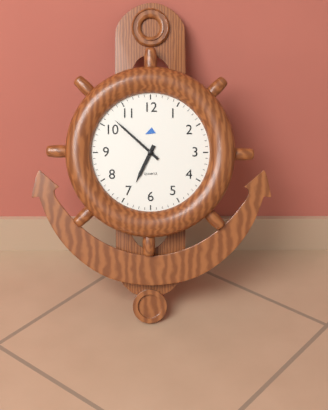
{"hour": 6, "minute": 52}
